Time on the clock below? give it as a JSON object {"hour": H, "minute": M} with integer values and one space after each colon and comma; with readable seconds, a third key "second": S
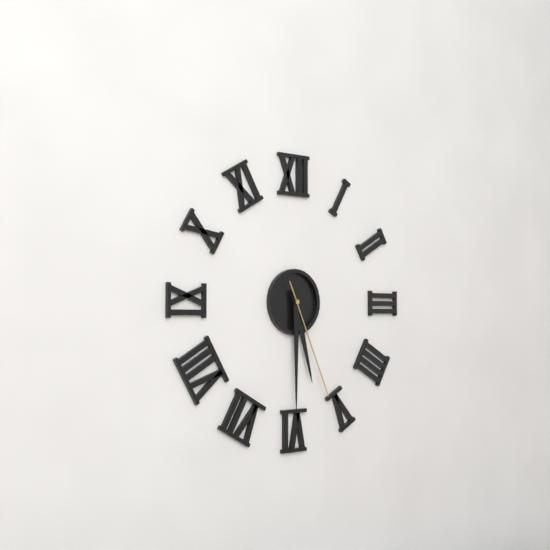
{"hour": 5, "minute": 30, "second": 26}
